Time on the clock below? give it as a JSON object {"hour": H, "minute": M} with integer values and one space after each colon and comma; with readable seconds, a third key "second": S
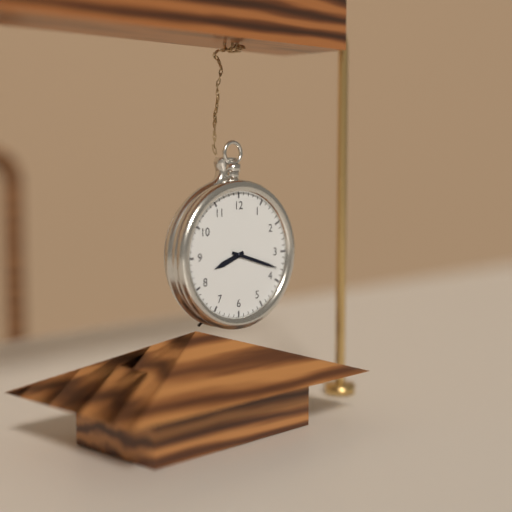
{"hour": 8, "minute": 18}
